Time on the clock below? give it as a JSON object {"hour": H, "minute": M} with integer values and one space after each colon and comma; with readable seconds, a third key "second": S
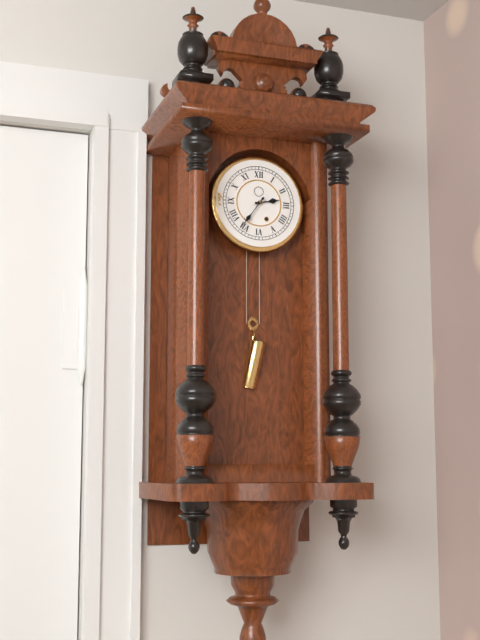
{"hour": 2, "minute": 36}
